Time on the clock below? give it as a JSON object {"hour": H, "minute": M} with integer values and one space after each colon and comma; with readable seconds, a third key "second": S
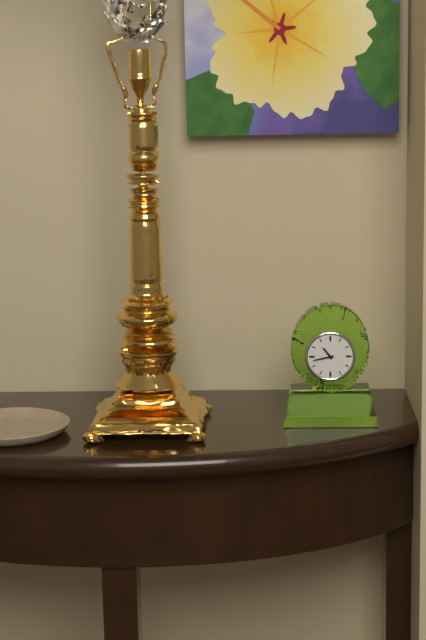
{"hour": 10, "minute": 43}
